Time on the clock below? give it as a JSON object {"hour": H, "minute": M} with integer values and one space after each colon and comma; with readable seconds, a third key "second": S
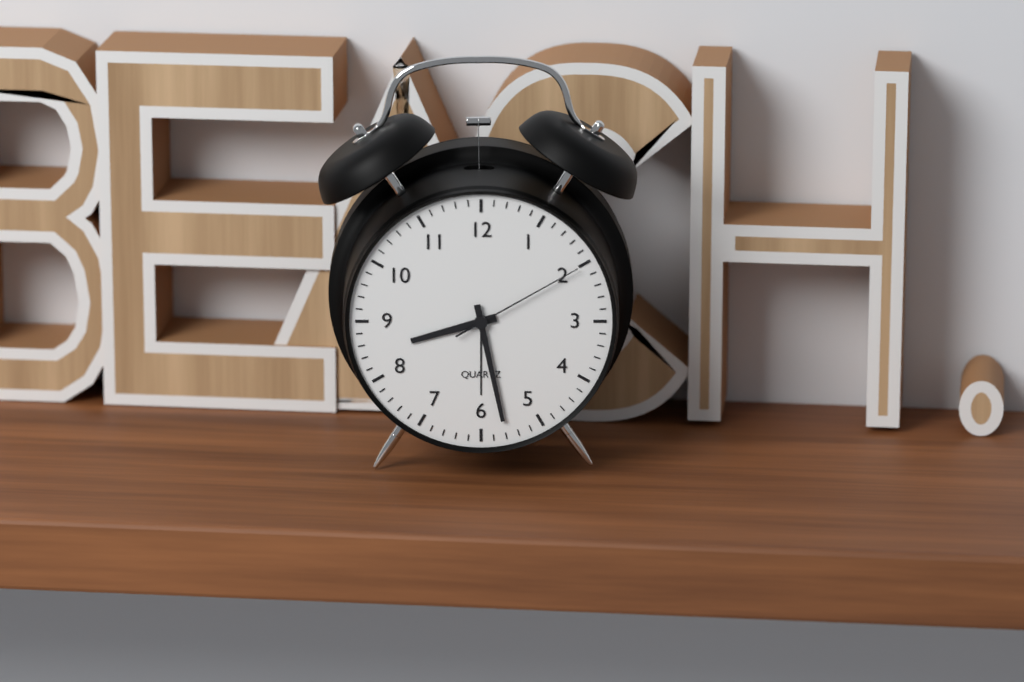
{"hour": 8, "minute": 28, "second": 10}
